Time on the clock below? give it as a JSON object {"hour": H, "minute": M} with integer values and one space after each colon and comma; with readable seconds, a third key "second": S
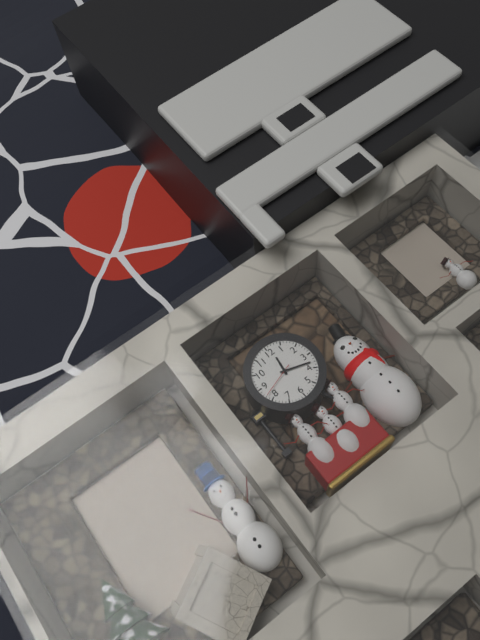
{"hour": 12, "minute": 18}
